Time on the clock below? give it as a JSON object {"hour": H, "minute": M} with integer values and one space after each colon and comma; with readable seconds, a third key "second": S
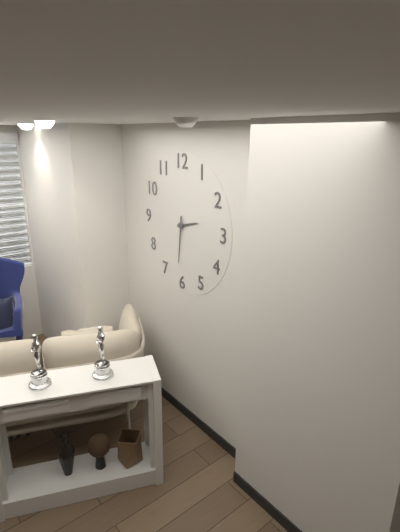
{"hour": 2, "minute": 31}
